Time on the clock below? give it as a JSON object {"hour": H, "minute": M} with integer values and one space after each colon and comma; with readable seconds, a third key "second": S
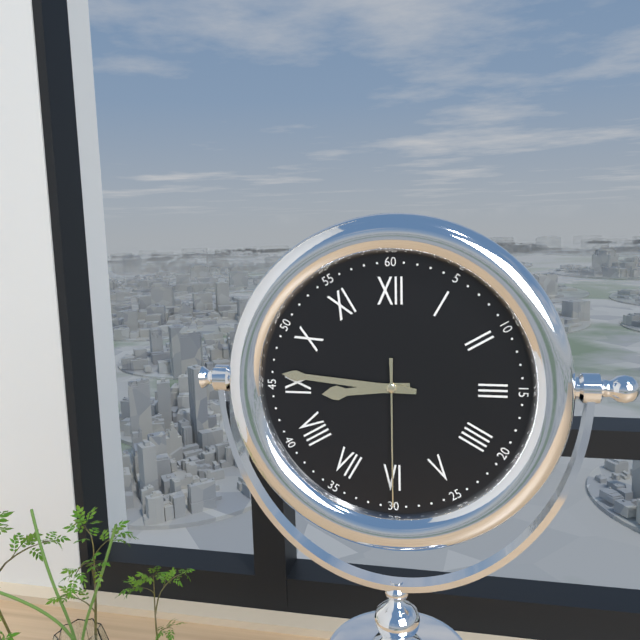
{"hour": 8, "minute": 46, "second": 30}
